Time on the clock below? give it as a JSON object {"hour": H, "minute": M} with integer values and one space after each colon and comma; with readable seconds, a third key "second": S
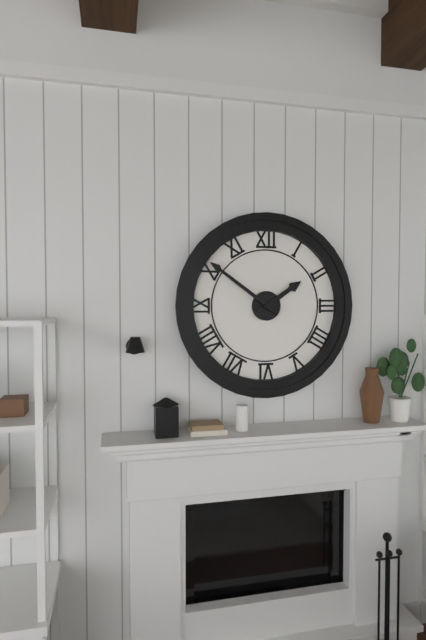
{"hour": 1, "minute": 51}
